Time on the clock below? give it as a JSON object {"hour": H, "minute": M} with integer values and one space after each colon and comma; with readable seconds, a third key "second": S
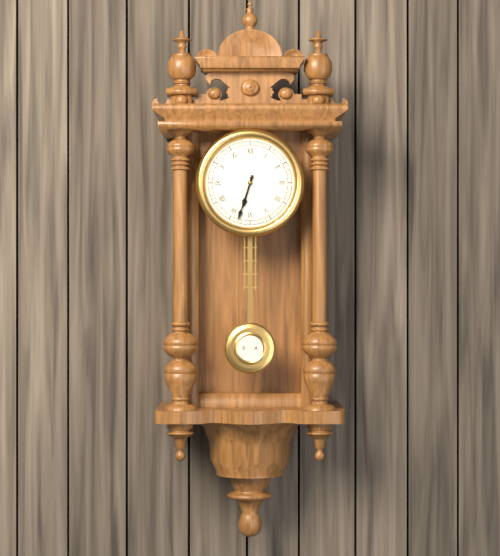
{"hour": 6, "minute": 33}
